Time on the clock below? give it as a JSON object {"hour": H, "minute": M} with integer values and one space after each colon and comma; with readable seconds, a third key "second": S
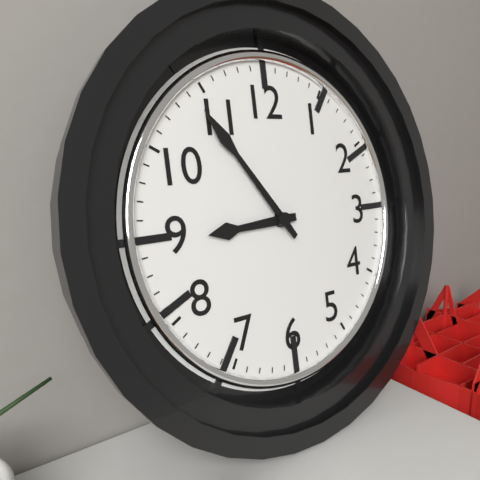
{"hour": 8, "minute": 54}
